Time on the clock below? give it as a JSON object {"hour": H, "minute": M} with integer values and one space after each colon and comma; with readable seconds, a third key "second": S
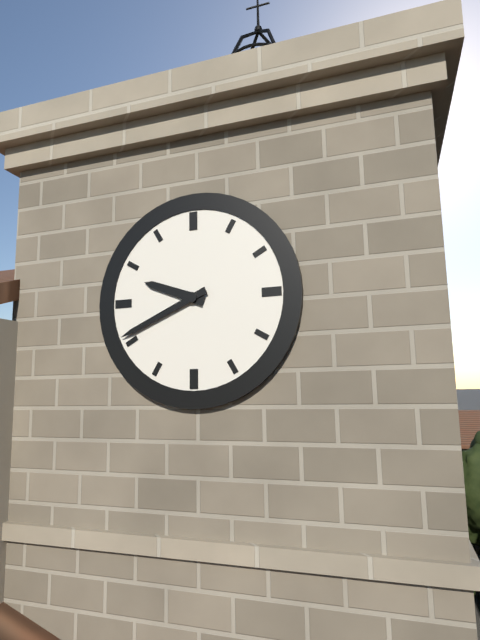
{"hour": 9, "minute": 41}
